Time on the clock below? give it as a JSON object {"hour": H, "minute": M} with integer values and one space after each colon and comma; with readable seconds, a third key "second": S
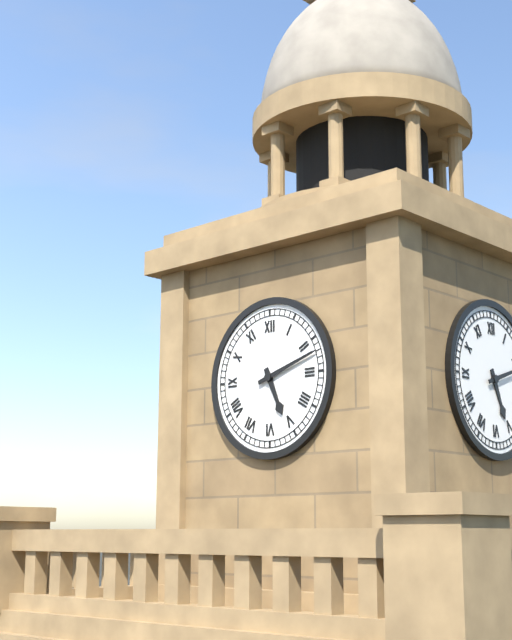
{"hour": 5, "minute": 12}
